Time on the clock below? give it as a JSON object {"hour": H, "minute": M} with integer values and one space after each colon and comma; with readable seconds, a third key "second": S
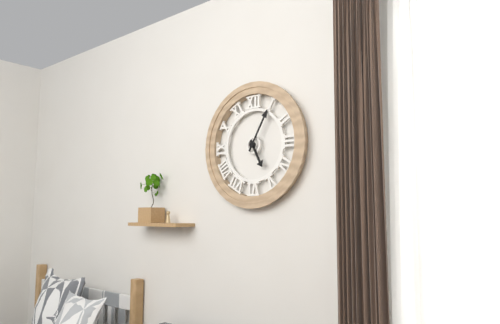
{"hour": 5, "minute": 5}
